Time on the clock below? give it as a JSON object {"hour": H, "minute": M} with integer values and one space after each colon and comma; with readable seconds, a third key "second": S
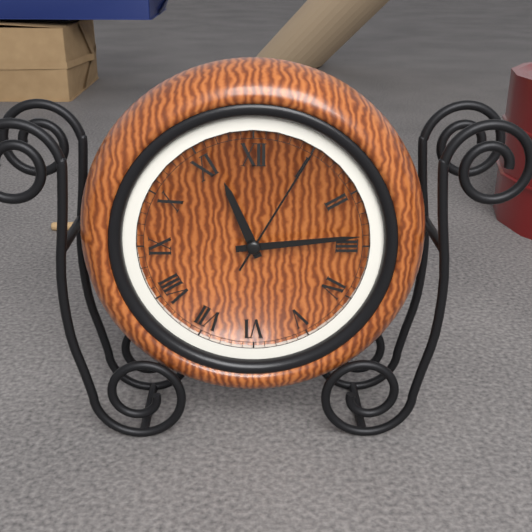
{"hour": 11, "minute": 14, "second": 5}
